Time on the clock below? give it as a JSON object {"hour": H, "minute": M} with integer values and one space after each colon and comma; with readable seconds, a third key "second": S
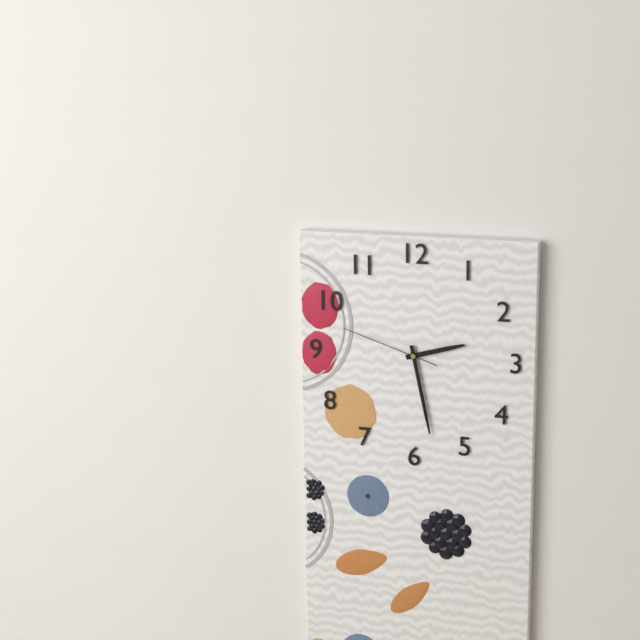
{"hour": 2, "minute": 28, "second": 48}
